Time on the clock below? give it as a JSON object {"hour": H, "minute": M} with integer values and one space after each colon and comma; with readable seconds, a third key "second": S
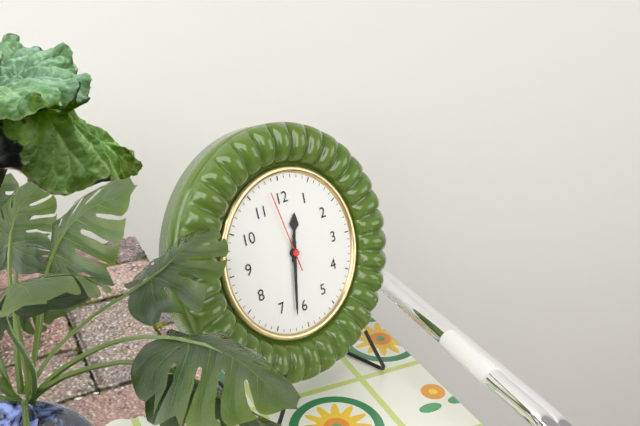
{"hour": 12, "minute": 32, "second": 58}
